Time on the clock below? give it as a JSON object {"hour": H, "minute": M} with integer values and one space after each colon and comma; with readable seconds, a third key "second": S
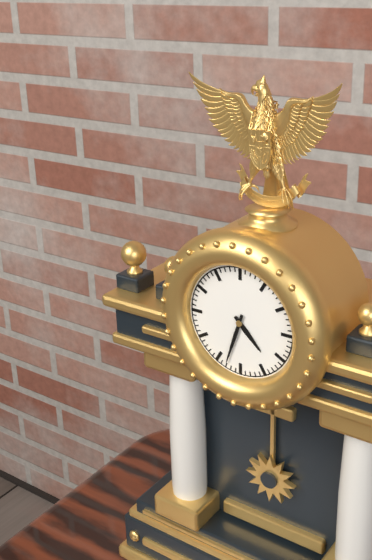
{"hour": 4, "minute": 33}
